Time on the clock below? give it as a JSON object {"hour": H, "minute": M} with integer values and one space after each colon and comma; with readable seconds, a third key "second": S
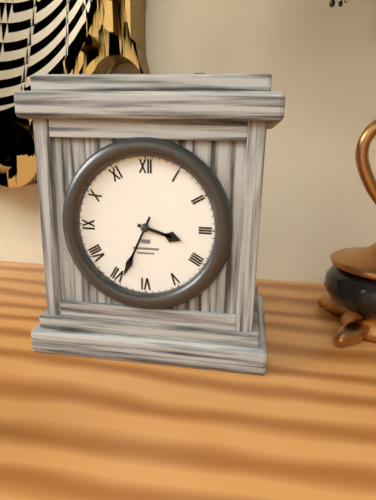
{"hour": 3, "minute": 34}
